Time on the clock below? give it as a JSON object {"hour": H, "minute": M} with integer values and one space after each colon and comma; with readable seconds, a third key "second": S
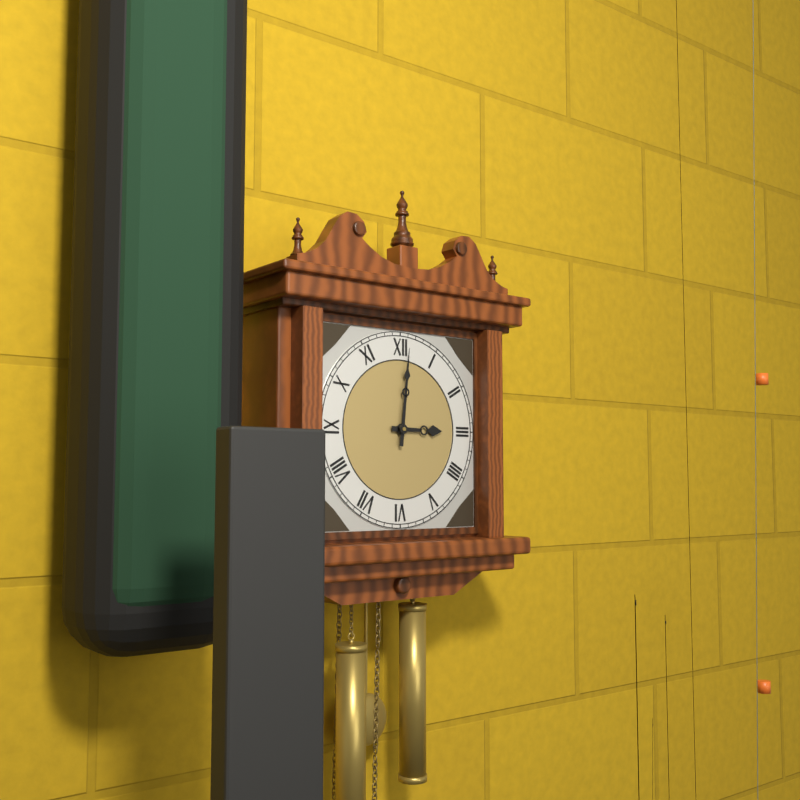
{"hour": 3, "minute": 1}
